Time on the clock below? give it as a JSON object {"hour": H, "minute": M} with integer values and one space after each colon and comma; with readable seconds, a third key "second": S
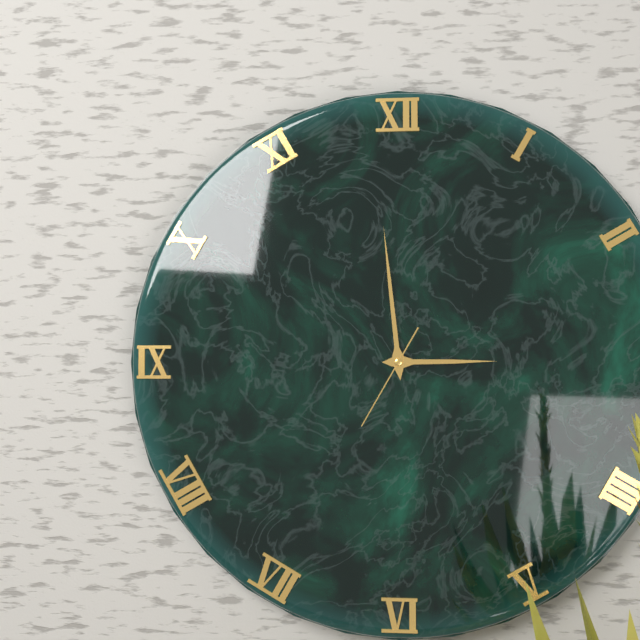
{"hour": 2, "minute": 59, "second": 35}
